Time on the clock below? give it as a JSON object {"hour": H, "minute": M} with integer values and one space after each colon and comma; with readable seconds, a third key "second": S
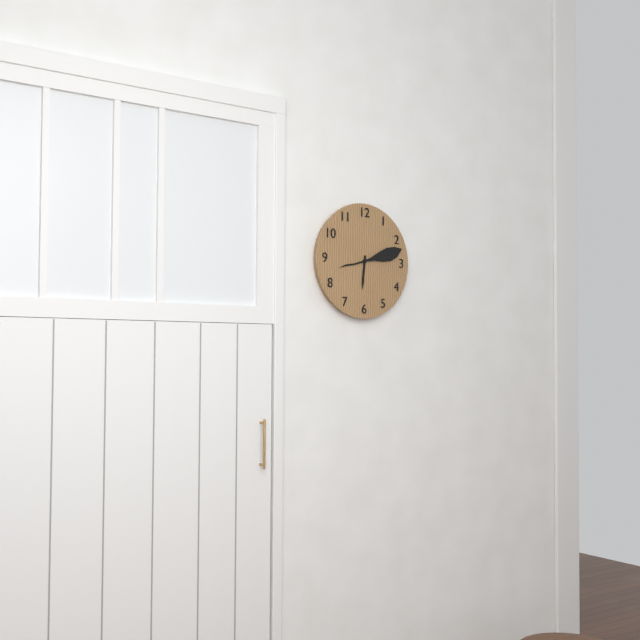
{"hour": 6, "minute": 12}
